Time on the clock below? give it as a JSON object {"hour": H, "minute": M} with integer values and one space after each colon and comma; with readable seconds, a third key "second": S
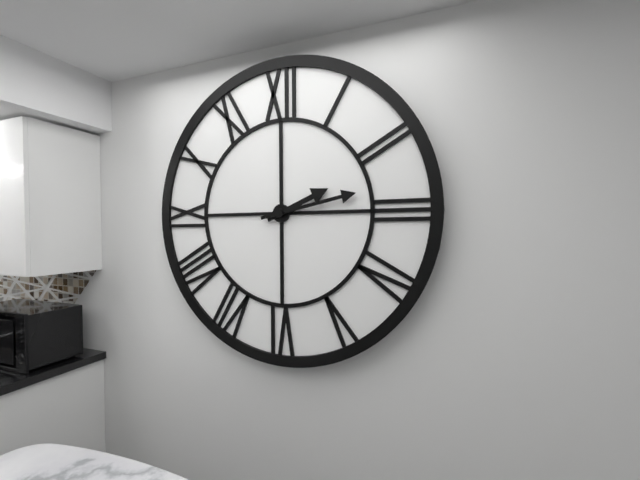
{"hour": 2, "minute": 13}
